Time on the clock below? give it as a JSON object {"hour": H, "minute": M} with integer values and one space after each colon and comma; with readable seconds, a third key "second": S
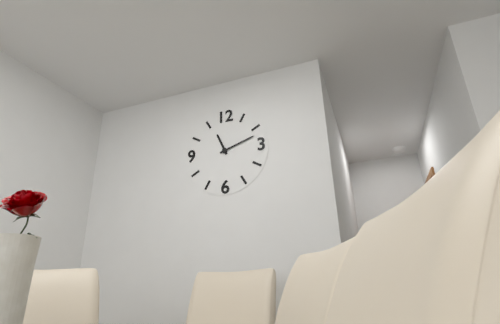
{"hour": 11, "minute": 12}
